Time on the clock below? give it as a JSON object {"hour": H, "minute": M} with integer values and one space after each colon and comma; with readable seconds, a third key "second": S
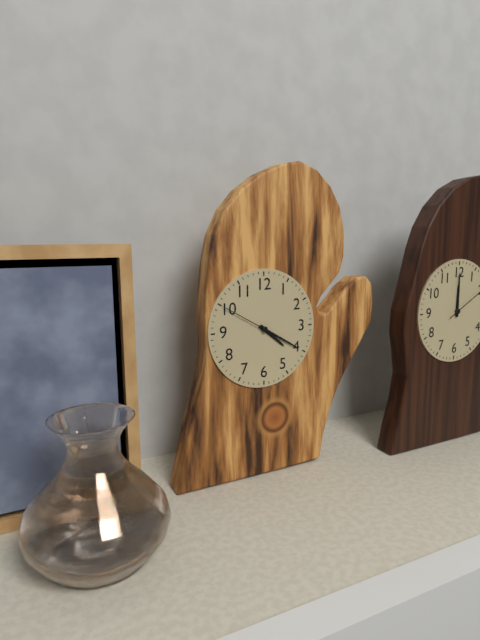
{"hour": 4, "minute": 20, "second": 50}
